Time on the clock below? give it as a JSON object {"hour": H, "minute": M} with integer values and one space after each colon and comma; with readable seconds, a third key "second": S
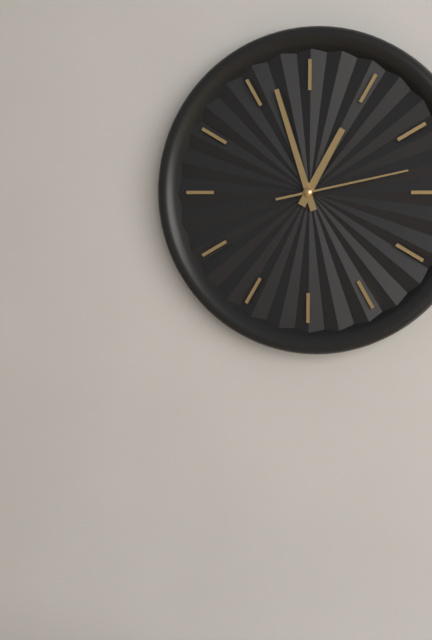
{"hour": 12, "minute": 57, "second": 13}
